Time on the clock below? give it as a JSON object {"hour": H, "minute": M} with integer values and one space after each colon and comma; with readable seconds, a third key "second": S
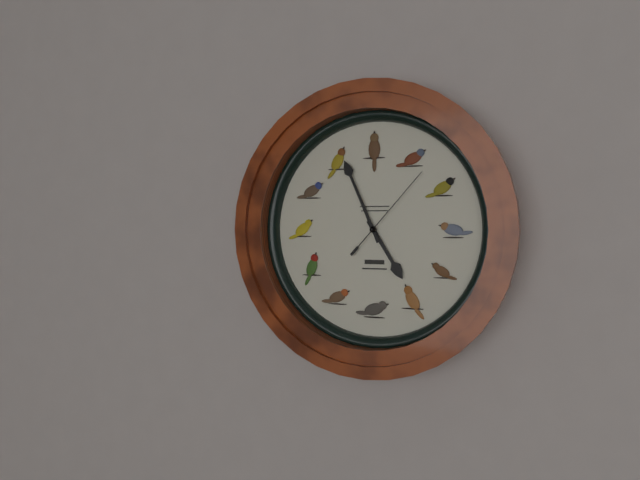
{"hour": 4, "minute": 56, "second": 7}
